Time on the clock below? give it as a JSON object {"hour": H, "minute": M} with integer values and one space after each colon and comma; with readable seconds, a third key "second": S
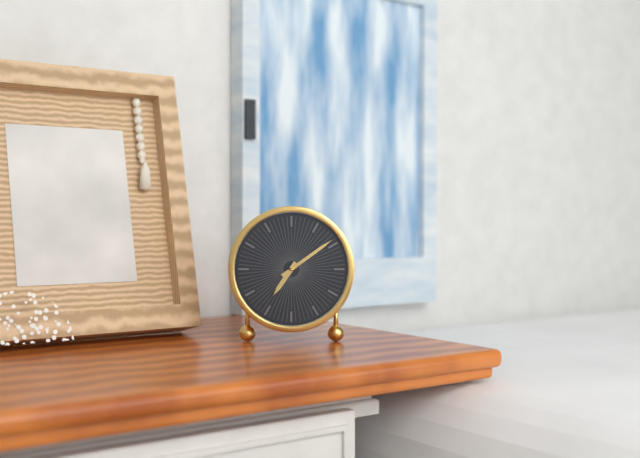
{"hour": 7, "minute": 9}
